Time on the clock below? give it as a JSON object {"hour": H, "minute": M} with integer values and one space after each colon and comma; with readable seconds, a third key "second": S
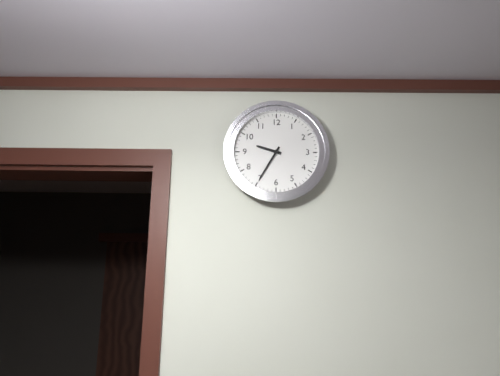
{"hour": 9, "minute": 35}
